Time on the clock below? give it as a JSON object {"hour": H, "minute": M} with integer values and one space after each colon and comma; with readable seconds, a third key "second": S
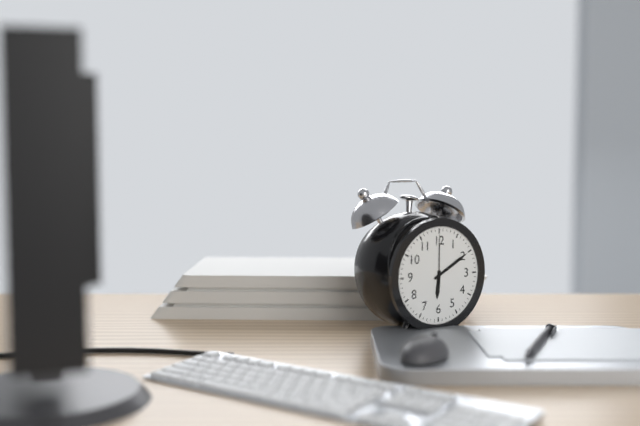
{"hour": 6, "minute": 10, "second": 0}
